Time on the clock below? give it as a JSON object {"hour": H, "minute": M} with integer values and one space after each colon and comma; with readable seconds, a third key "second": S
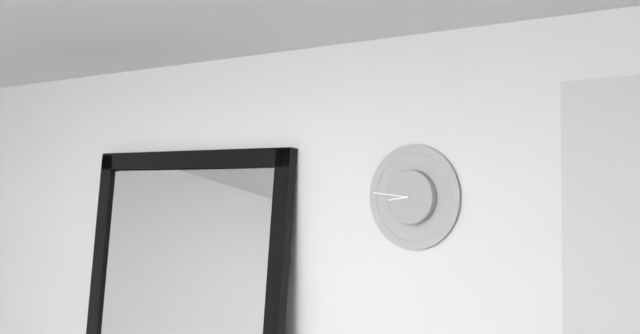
{"hour": 8, "minute": 46}
